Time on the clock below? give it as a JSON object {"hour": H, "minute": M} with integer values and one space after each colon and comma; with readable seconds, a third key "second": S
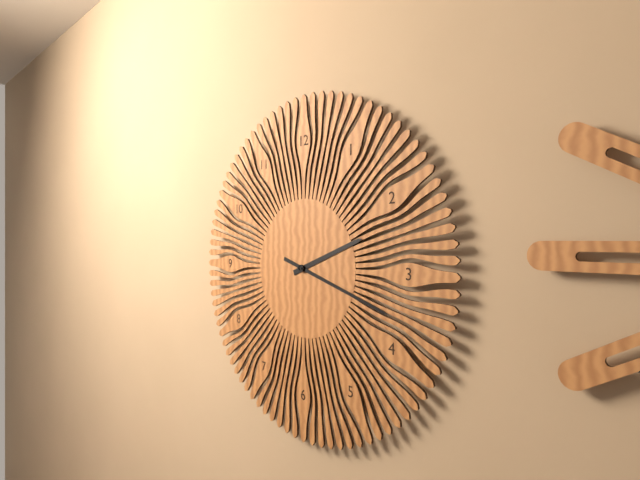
{"hour": 2, "minute": 18}
